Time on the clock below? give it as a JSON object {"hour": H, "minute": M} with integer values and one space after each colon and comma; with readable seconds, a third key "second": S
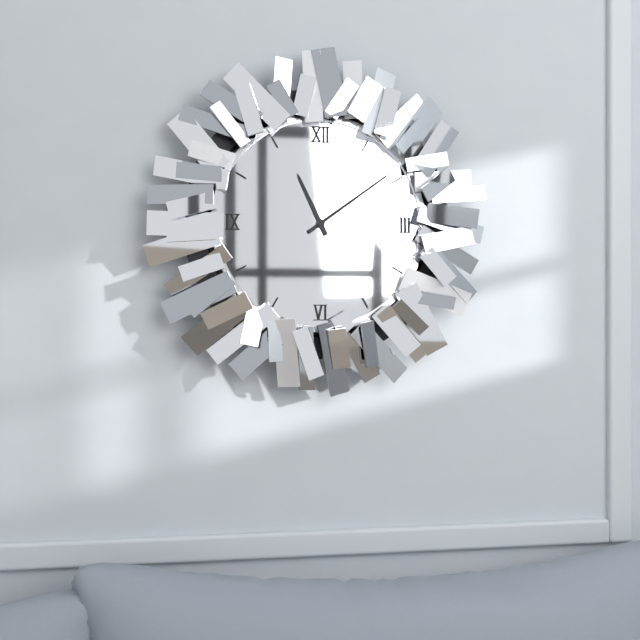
{"hour": 11, "minute": 9}
